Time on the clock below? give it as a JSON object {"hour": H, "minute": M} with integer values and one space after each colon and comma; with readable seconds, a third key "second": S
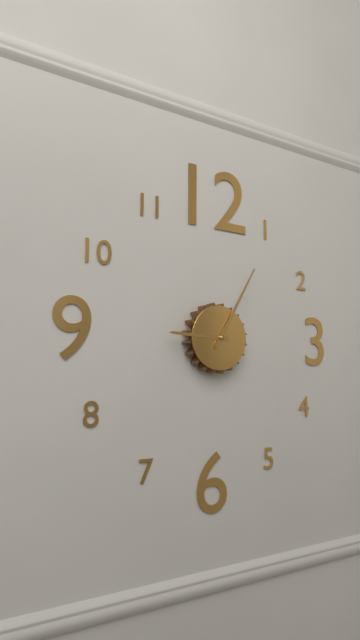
{"hour": 9, "minute": 5}
